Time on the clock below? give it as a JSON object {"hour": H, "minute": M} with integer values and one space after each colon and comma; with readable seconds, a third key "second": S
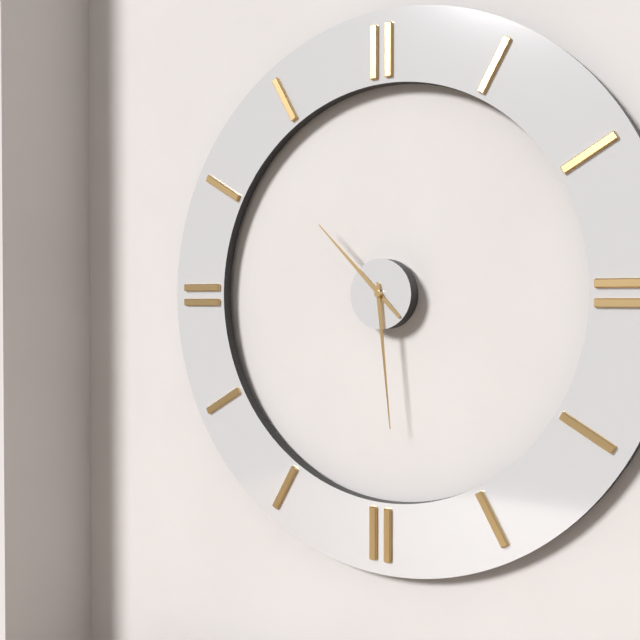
{"hour": 10, "minute": 29}
